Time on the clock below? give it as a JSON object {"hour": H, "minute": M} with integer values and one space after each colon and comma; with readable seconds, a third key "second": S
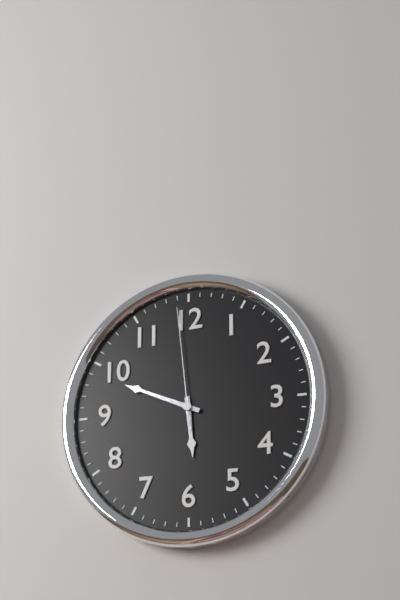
{"hour": 5, "minute": 49, "second": 59}
